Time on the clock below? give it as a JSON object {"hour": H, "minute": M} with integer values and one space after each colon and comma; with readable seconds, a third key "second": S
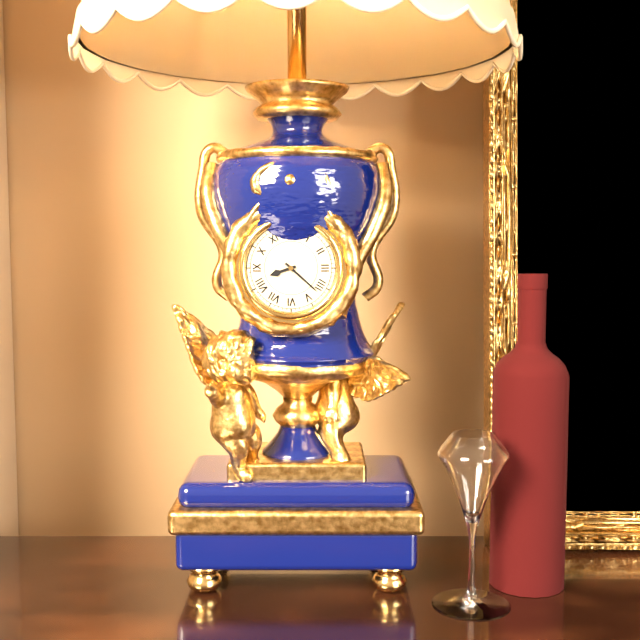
{"hour": 8, "minute": 22}
